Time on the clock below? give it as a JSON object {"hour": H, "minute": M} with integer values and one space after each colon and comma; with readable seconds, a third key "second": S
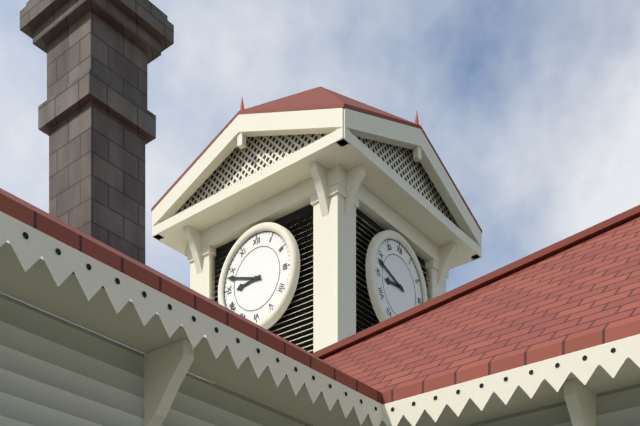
{"hour": 8, "minute": 48}
